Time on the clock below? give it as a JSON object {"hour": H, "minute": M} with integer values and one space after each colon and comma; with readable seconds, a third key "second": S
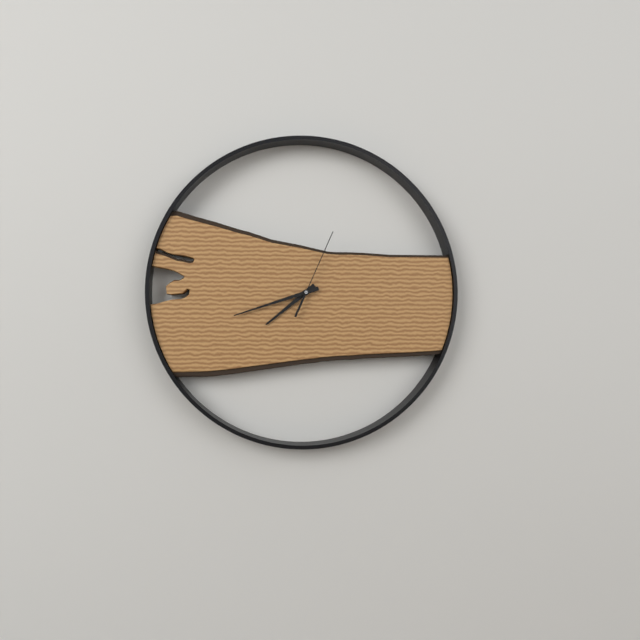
{"hour": 7, "minute": 42, "second": 4}
